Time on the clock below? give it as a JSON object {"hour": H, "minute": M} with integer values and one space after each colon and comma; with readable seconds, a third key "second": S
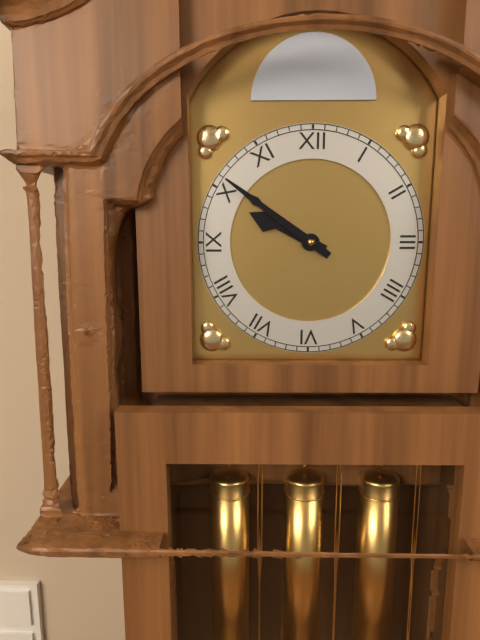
{"hour": 9, "minute": 51}
